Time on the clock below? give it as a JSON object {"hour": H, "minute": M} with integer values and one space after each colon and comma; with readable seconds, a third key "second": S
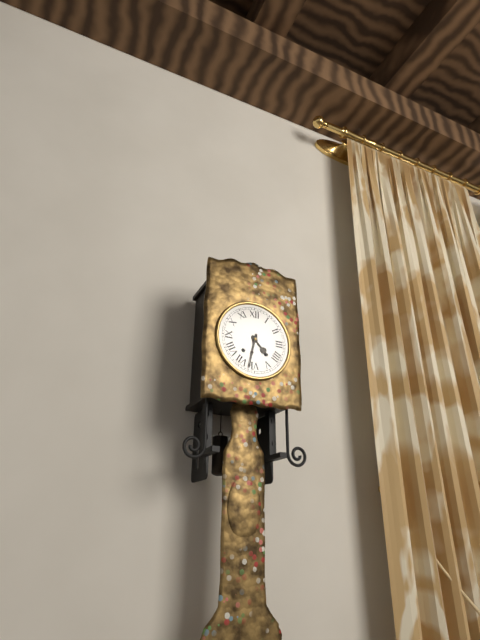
{"hour": 4, "minute": 32}
